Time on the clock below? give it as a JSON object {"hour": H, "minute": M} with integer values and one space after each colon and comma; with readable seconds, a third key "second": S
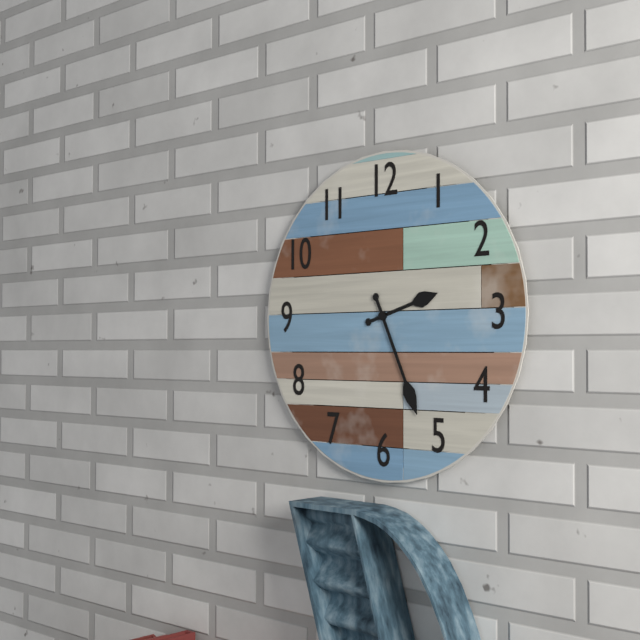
{"hour": 2, "minute": 26}
